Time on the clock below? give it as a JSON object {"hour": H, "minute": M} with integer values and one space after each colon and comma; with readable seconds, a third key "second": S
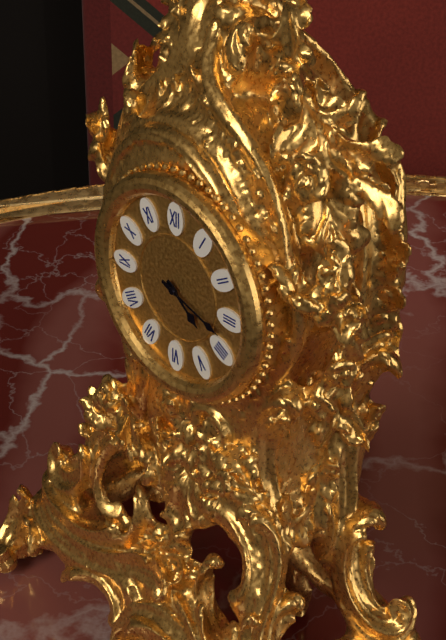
{"hour": 4, "minute": 18}
